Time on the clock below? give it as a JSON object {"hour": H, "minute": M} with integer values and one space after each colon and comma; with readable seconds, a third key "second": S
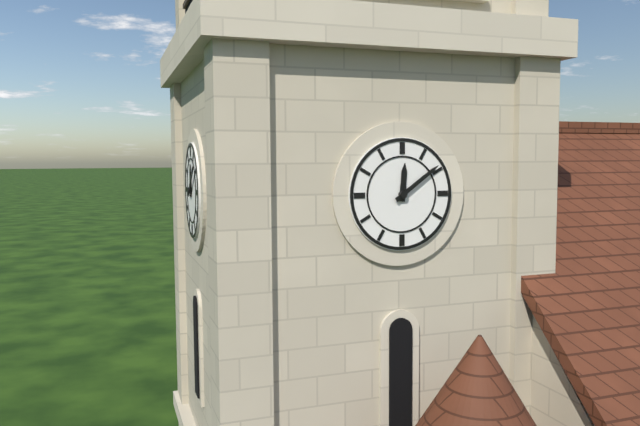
{"hour": 12, "minute": 9}
